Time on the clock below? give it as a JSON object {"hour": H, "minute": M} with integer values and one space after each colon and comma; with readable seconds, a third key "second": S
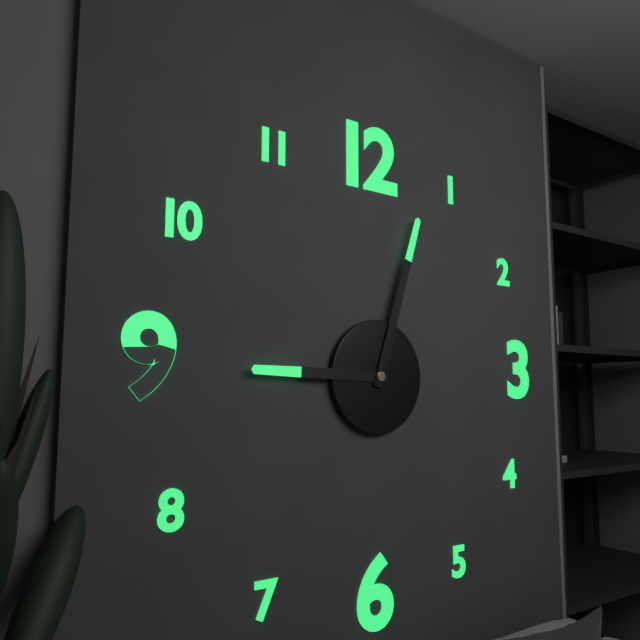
{"hour": 9, "minute": 3}
